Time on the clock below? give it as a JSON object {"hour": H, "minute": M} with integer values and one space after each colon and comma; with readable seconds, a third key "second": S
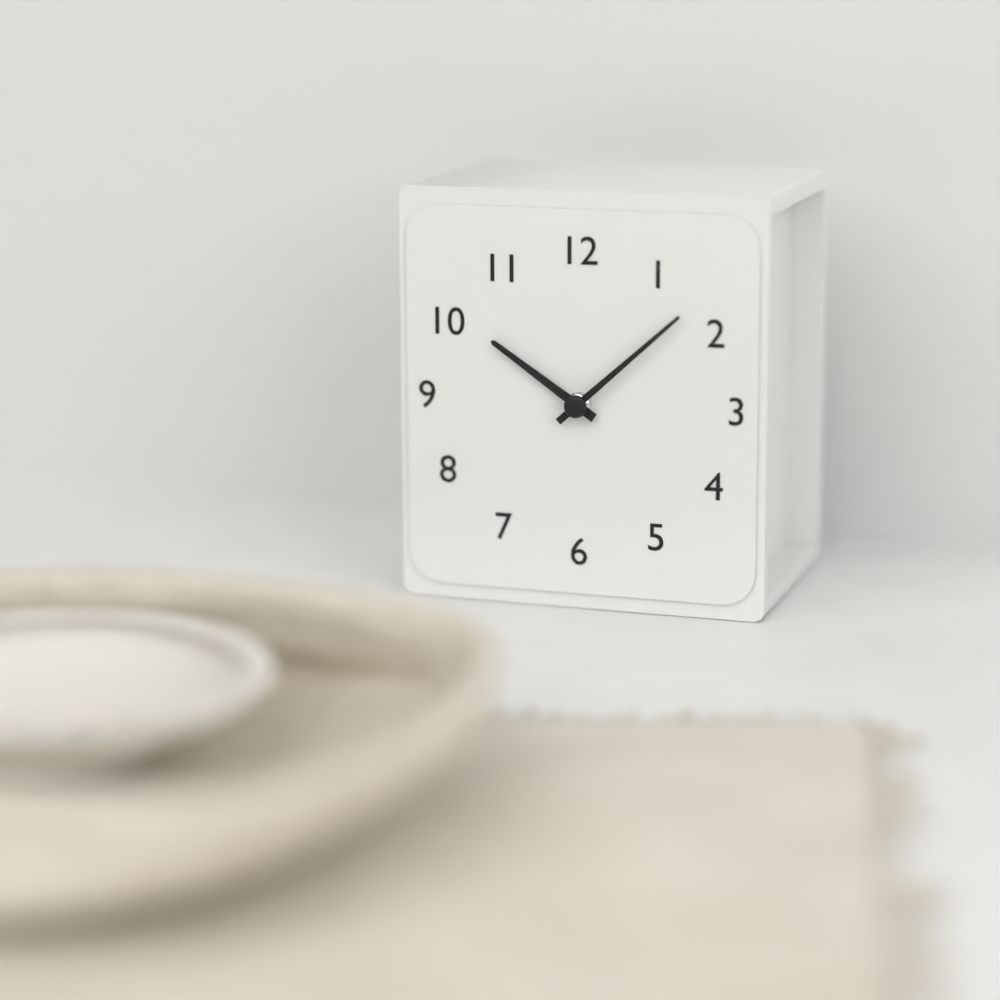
{"hour": 10, "minute": 8}
